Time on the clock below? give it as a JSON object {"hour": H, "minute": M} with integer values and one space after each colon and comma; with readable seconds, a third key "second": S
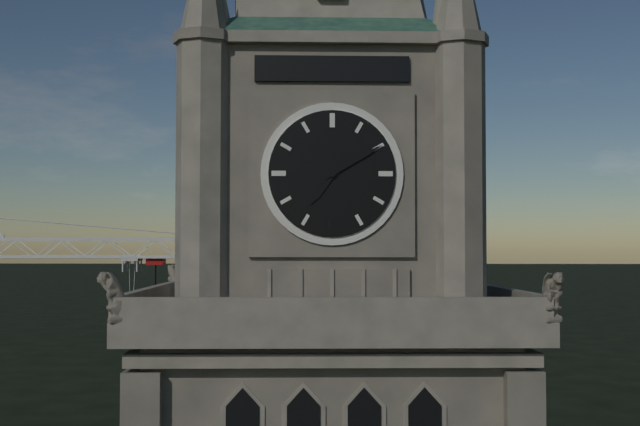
{"hour": 7, "minute": 10}
